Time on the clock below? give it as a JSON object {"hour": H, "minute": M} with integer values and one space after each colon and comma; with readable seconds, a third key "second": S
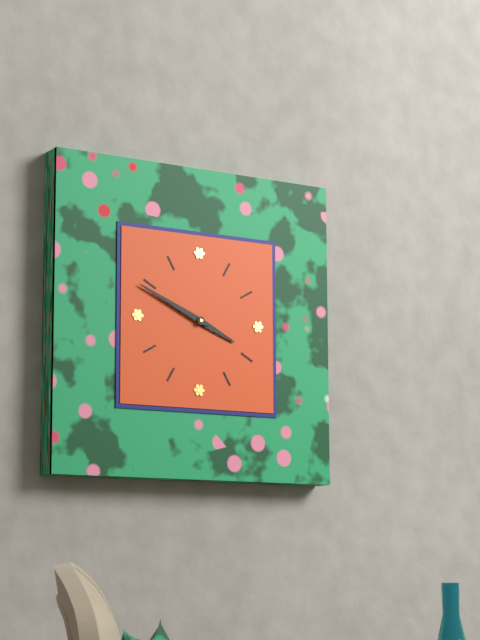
{"hour": 3, "minute": 49}
